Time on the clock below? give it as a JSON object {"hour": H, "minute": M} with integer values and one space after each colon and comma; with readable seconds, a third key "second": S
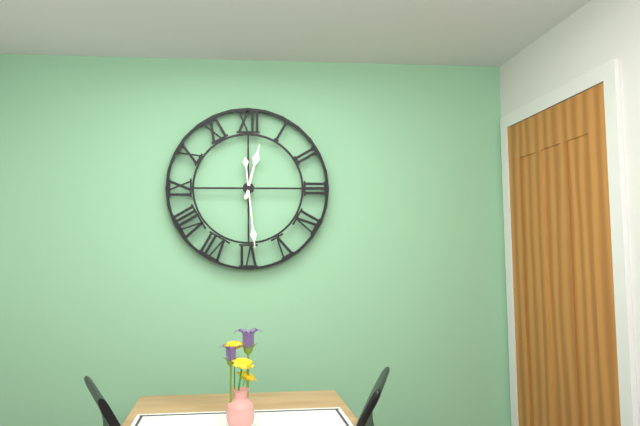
{"hour": 12, "minute": 29}
